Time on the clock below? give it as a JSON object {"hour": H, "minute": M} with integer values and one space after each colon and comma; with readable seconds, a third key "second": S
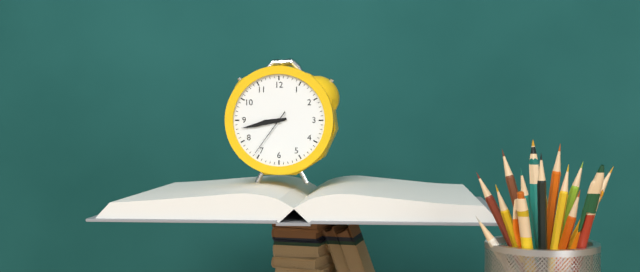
{"hour": 8, "minute": 43, "second": 36}
